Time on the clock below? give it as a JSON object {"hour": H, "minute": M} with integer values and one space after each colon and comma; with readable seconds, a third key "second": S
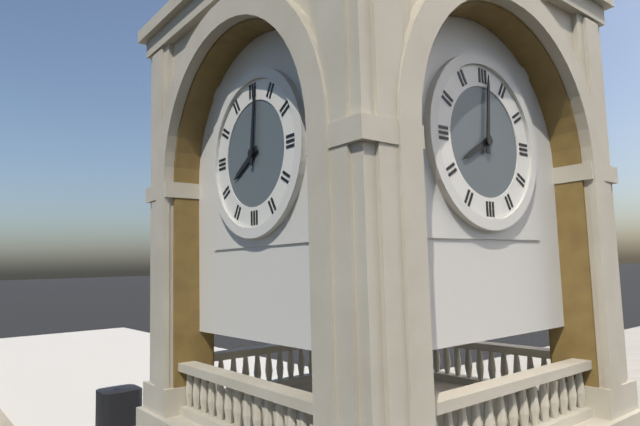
{"hour": 8, "minute": 1}
